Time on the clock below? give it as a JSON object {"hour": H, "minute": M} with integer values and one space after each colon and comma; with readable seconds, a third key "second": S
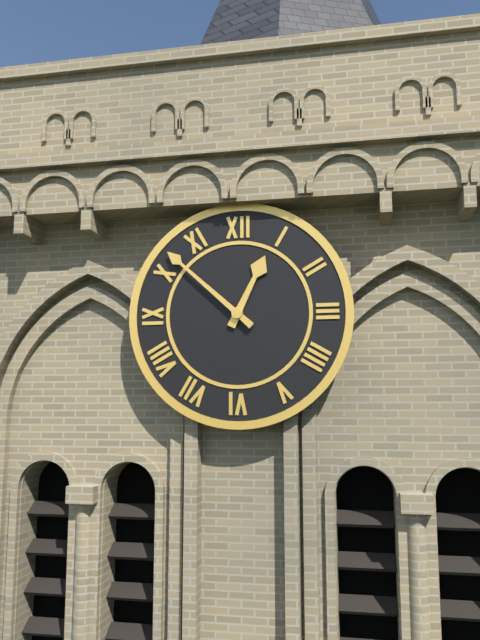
{"hour": 12, "minute": 52}
